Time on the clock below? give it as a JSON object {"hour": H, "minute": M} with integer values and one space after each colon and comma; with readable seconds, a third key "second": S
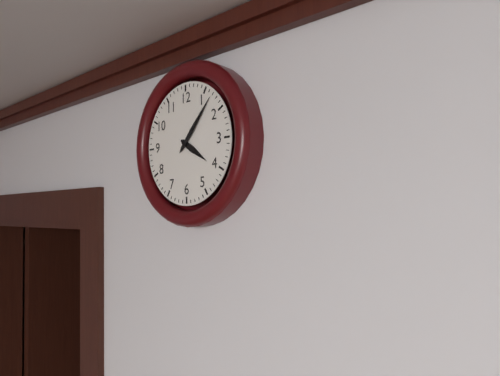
{"hour": 4, "minute": 7}
